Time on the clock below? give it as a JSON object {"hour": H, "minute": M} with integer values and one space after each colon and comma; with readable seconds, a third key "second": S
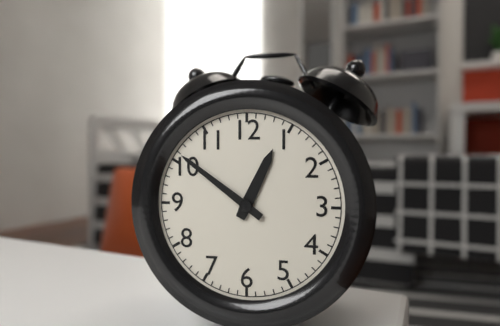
{"hour": 12, "minute": 51}
